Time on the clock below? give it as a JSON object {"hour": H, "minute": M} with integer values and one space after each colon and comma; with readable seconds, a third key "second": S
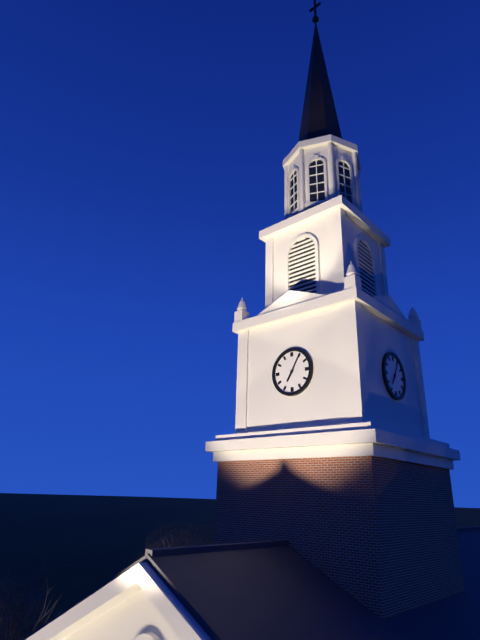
{"hour": 7, "minute": 5}
